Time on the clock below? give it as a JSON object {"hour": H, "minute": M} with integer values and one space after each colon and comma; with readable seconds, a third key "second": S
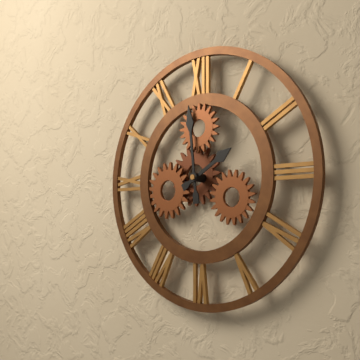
{"hour": 1, "minute": 59}
